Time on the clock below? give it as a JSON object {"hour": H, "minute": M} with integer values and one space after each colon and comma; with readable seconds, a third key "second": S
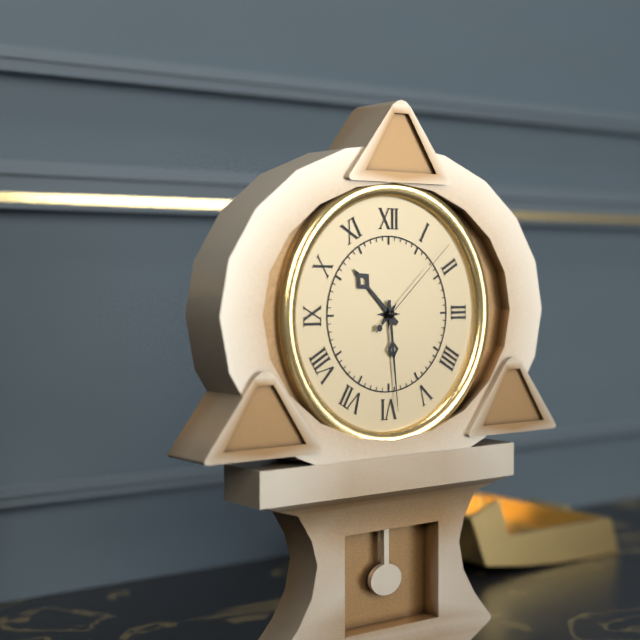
{"hour": 10, "minute": 29, "second": 8}
